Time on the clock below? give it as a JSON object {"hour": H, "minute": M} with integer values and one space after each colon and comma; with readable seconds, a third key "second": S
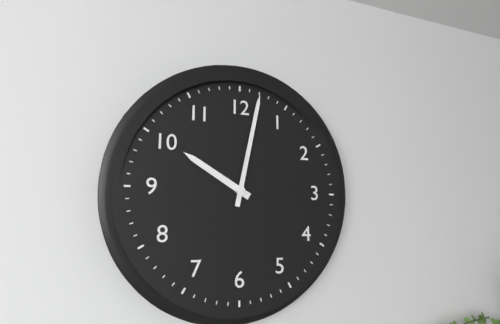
{"hour": 10, "minute": 2}
